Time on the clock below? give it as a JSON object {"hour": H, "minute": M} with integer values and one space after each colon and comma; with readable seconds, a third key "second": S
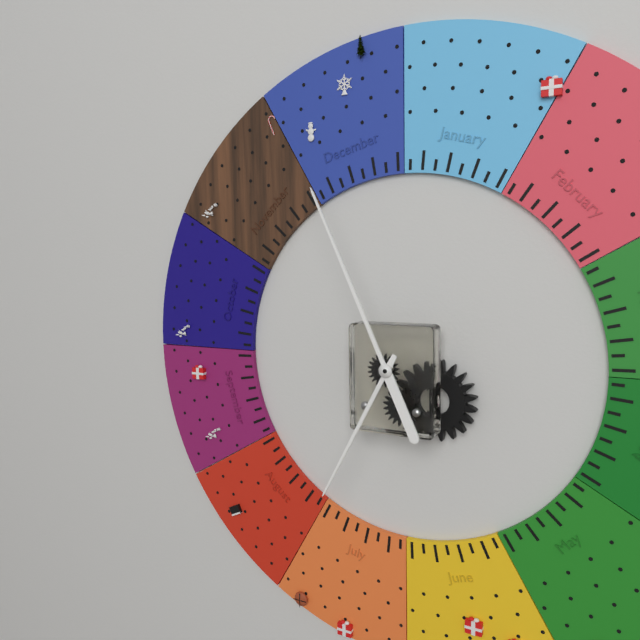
{"hour": 6, "minute": 56}
